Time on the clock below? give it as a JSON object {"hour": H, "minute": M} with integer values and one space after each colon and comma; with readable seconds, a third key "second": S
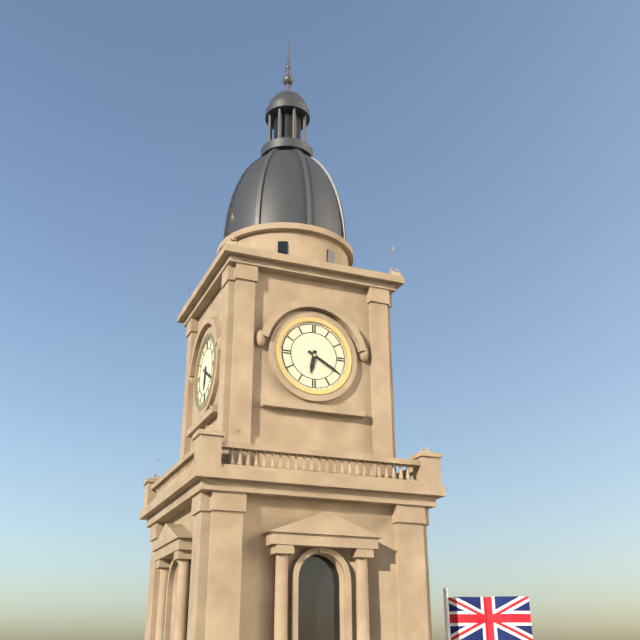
{"hour": 6, "minute": 20}
